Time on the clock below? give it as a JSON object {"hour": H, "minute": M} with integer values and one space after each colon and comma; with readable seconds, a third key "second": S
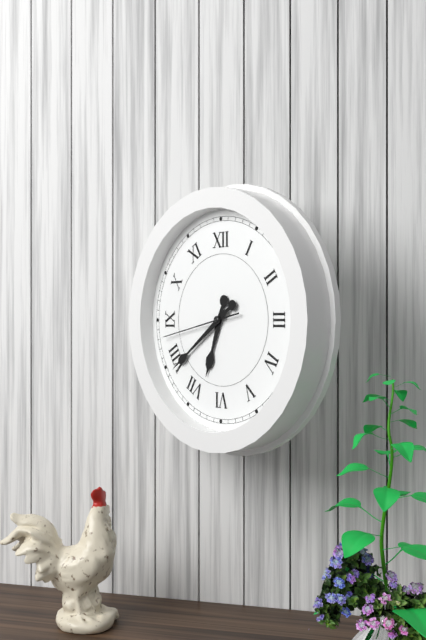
{"hour": 6, "minute": 39, "second": 43}
